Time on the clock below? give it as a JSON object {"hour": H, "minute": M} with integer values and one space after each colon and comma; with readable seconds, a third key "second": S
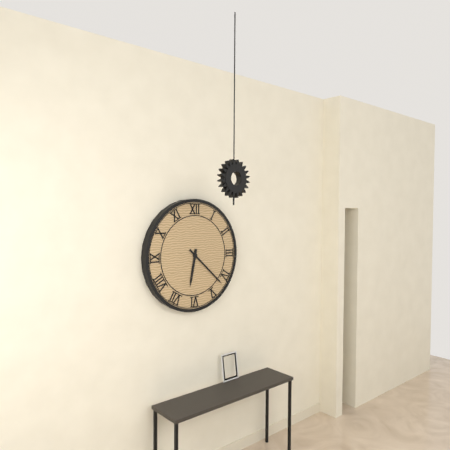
{"hour": 6, "minute": 22}
